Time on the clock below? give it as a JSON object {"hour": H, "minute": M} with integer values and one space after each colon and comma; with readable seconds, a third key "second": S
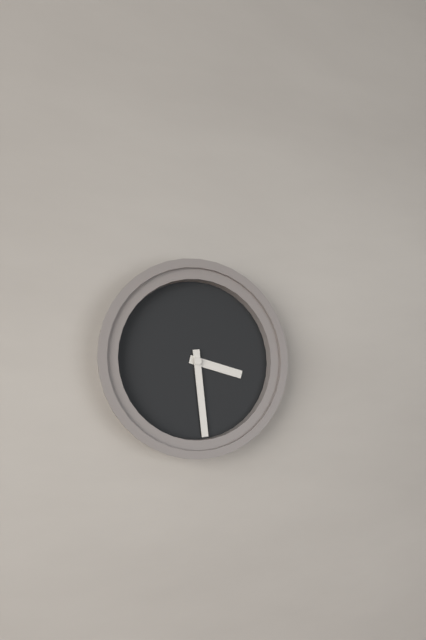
{"hour": 3, "minute": 29}
